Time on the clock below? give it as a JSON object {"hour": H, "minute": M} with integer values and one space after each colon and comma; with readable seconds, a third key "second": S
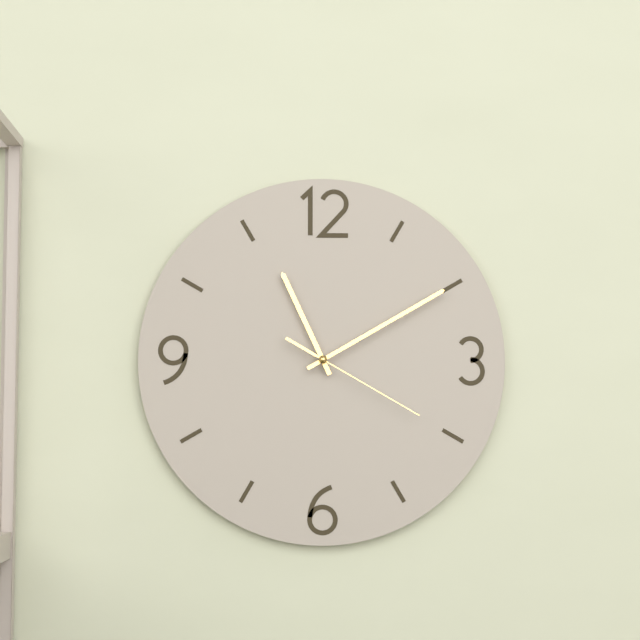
{"hour": 11, "minute": 10, "second": 20}
